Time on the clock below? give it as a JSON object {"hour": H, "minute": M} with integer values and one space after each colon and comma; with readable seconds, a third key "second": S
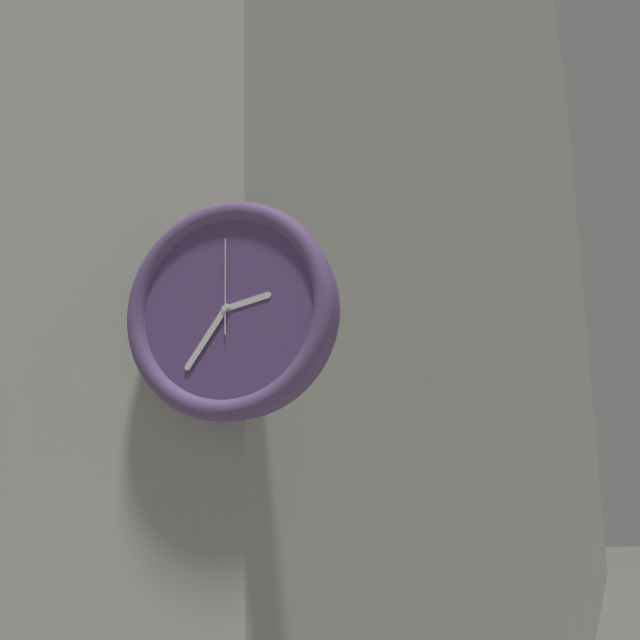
{"hour": 2, "minute": 36, "second": 0}
